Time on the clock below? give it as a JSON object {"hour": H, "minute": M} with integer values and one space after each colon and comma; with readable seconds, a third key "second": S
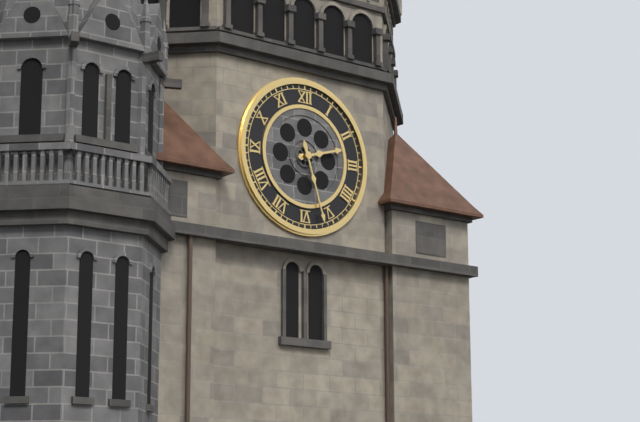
{"hour": 2, "minute": 27}
